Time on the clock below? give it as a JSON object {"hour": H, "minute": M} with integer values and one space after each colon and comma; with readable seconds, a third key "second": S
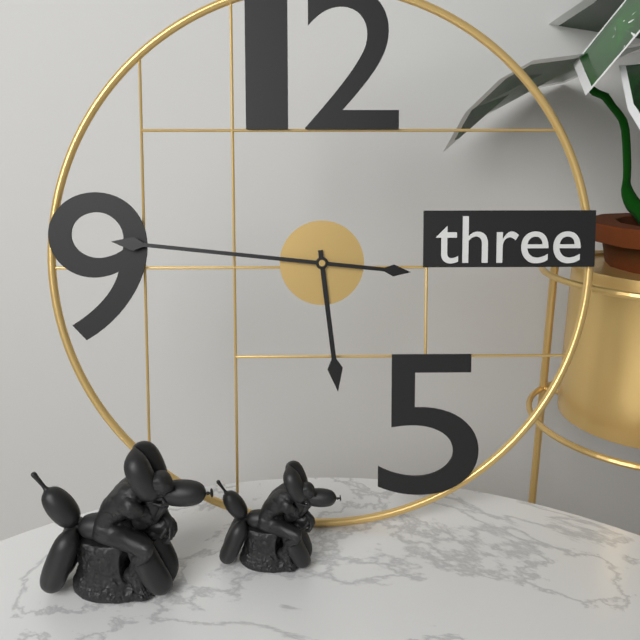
{"hour": 5, "minute": 46}
